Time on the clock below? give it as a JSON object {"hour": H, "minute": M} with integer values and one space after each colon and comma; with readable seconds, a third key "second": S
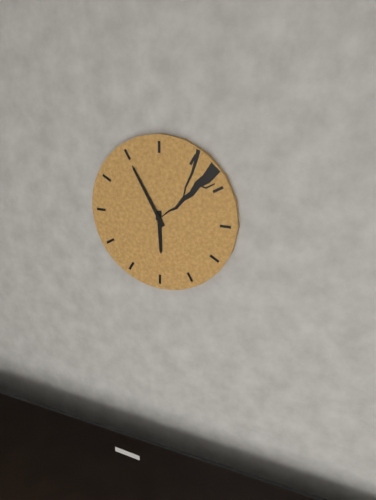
{"hour": 5, "minute": 55}
